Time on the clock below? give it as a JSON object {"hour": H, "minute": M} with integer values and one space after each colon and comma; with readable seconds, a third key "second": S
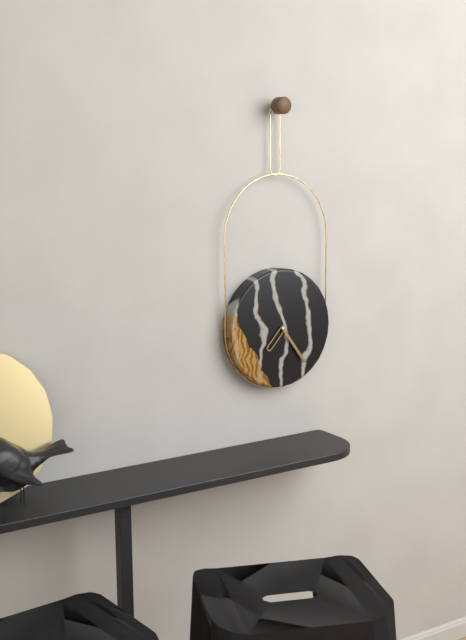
{"hour": 7, "minute": 24}
